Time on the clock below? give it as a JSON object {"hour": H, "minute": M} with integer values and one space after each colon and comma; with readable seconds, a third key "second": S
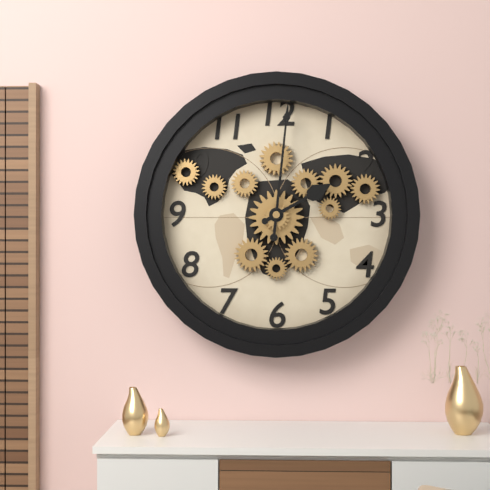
{"hour": 2, "minute": 1}
